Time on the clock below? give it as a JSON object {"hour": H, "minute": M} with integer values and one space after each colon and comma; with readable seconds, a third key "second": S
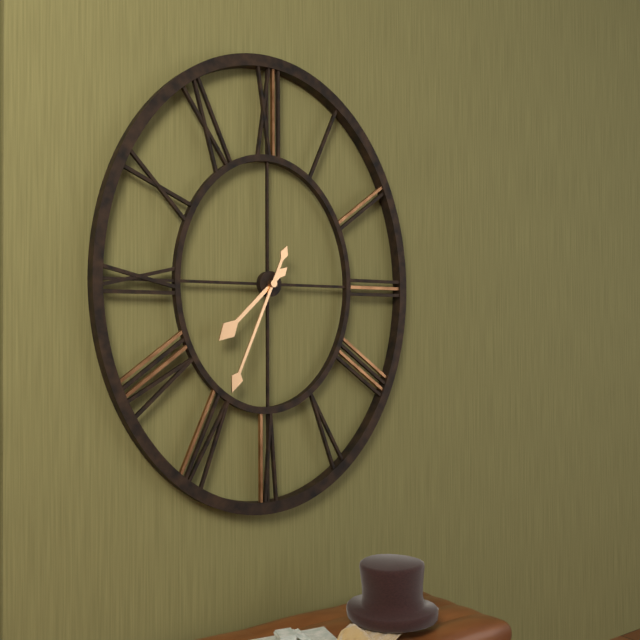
{"hour": 7, "minute": 34}
